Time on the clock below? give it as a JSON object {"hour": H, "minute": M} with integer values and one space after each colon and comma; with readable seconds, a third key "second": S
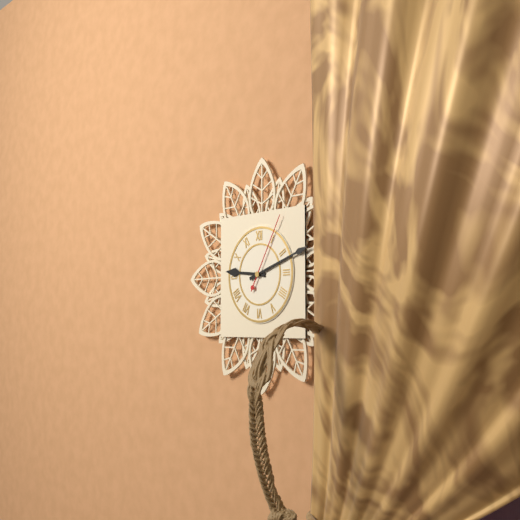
{"hour": 9, "minute": 12, "second": 5}
